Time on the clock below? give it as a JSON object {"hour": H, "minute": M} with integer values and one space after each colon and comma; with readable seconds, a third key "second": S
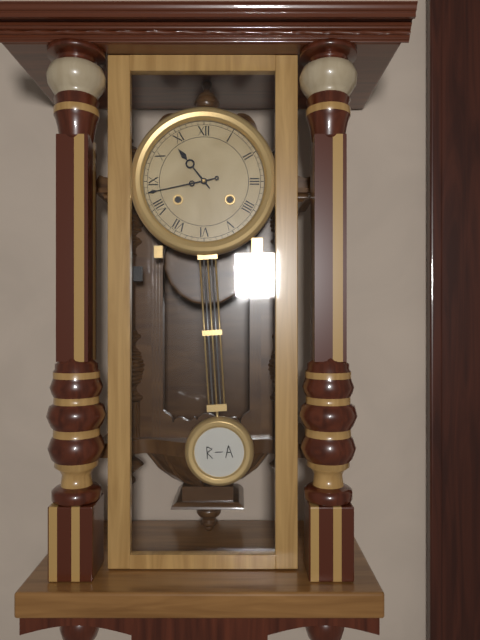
{"hour": 10, "minute": 43}
